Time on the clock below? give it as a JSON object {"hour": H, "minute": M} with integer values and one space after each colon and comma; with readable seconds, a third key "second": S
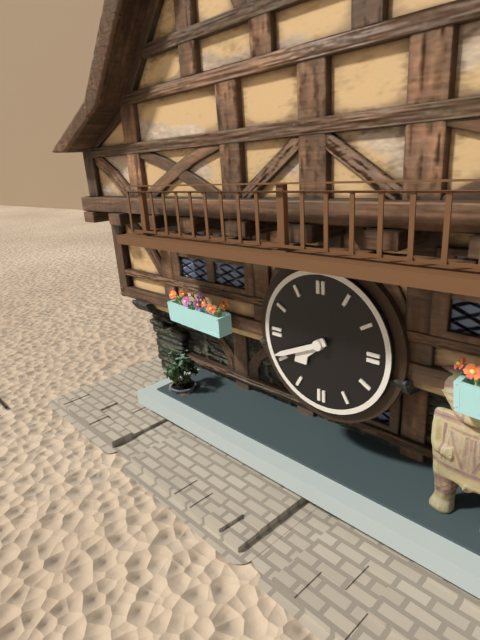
{"hour": 7, "minute": 41}
